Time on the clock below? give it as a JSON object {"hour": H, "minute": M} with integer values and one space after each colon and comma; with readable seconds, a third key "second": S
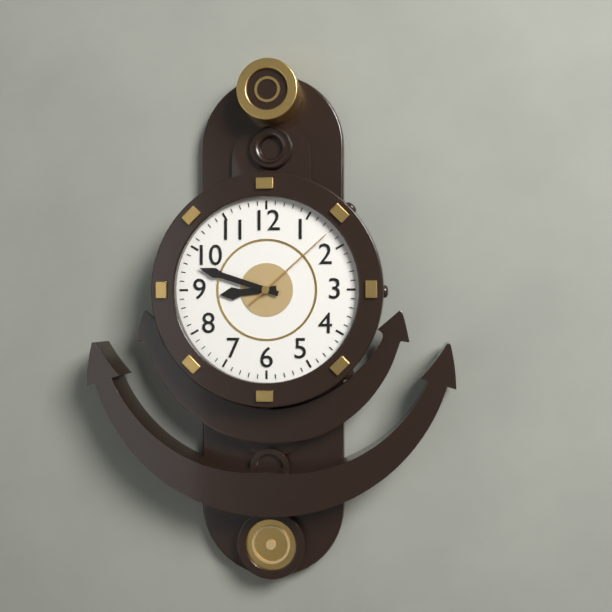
{"hour": 8, "minute": 48, "second": 8}
